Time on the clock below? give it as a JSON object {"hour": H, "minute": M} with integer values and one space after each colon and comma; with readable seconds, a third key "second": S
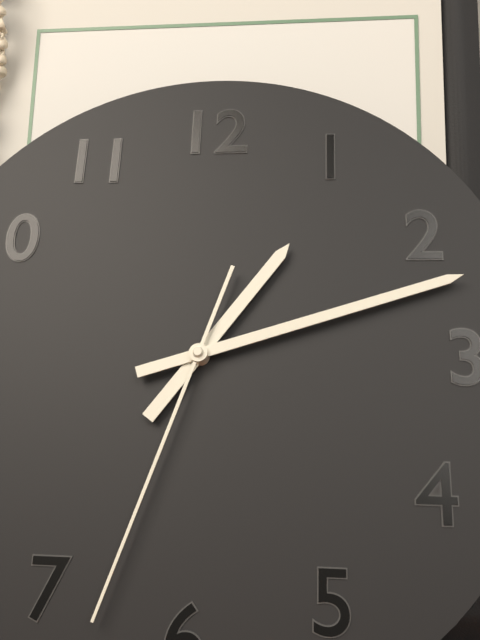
{"hour": 1, "minute": 12, "second": 33}
